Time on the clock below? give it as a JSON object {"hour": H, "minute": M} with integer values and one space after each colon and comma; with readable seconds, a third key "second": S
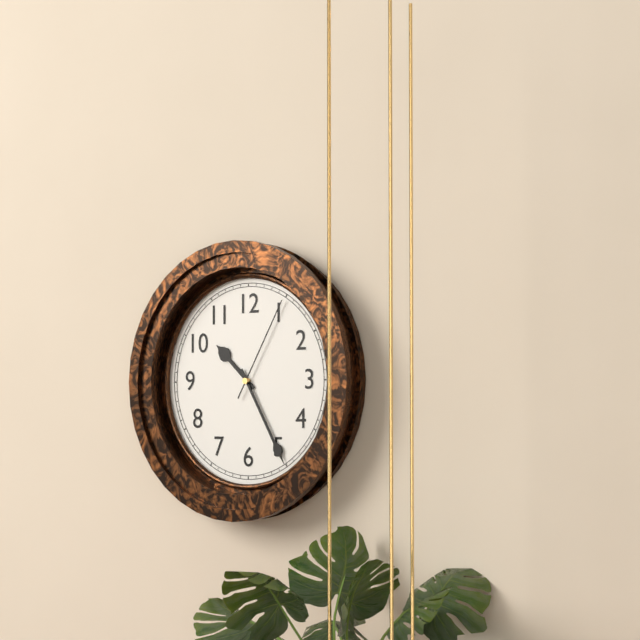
{"hour": 10, "minute": 25, "second": 5}
